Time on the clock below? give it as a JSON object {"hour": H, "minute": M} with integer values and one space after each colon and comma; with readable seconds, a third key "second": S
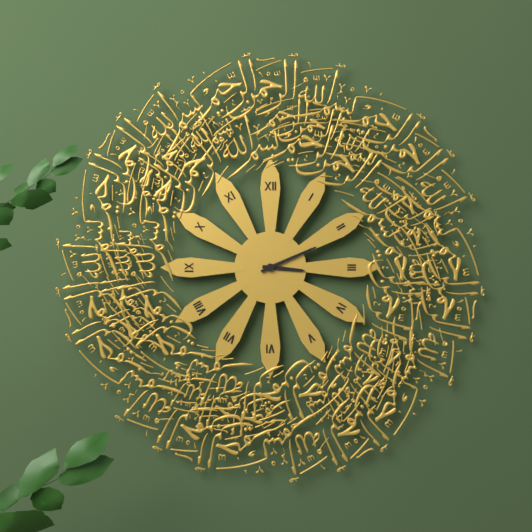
{"hour": 3, "minute": 11}
